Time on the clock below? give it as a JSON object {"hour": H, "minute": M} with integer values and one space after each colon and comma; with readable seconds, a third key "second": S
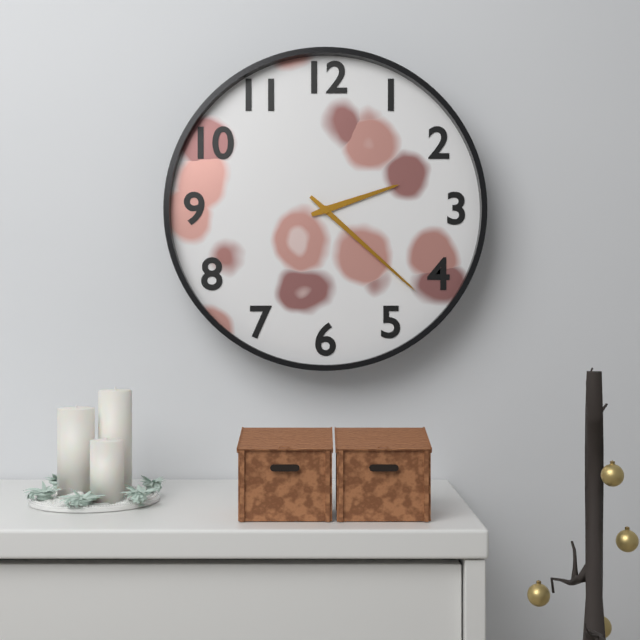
{"hour": 2, "minute": 22}
